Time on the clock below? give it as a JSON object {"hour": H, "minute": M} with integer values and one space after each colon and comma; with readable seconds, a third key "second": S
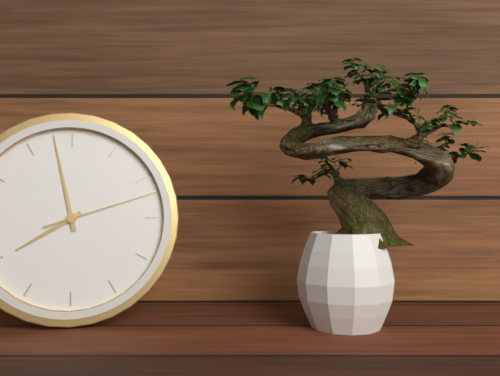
{"hour": 7, "minute": 58, "second": 12}
